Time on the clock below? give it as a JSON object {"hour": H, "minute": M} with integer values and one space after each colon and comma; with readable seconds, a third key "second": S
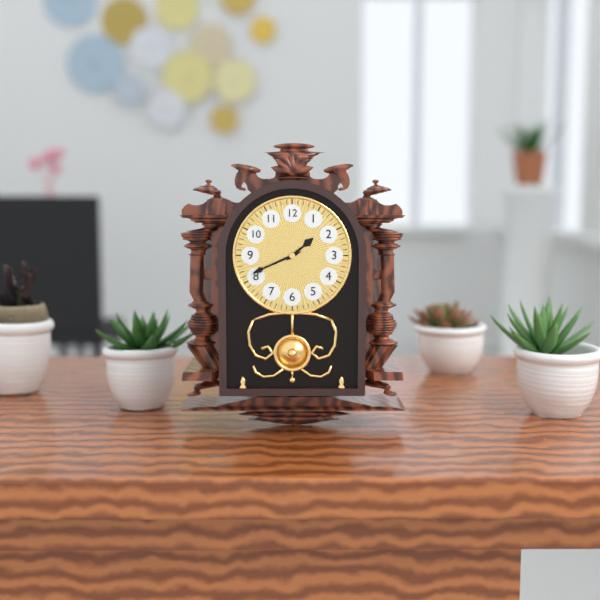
{"hour": 1, "minute": 41}
